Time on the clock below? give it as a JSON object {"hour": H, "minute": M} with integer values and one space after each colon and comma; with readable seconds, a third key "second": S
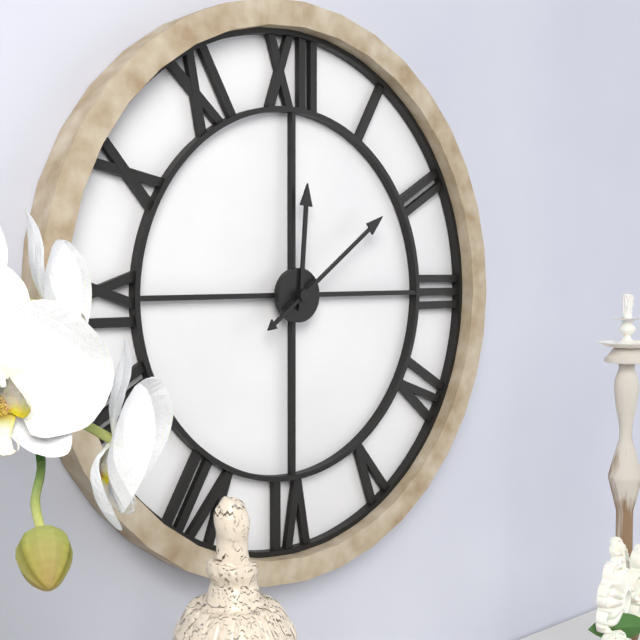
{"hour": 12, "minute": 9}
